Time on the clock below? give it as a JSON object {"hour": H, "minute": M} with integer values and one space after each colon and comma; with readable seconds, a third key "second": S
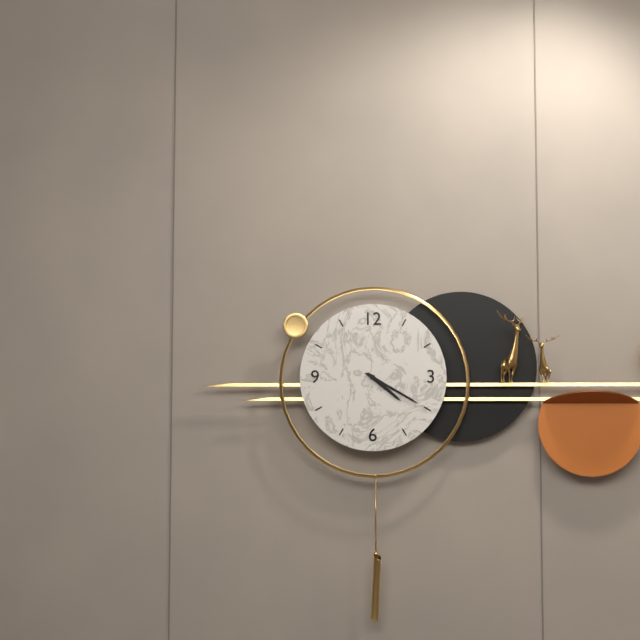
{"hour": 4, "minute": 20}
